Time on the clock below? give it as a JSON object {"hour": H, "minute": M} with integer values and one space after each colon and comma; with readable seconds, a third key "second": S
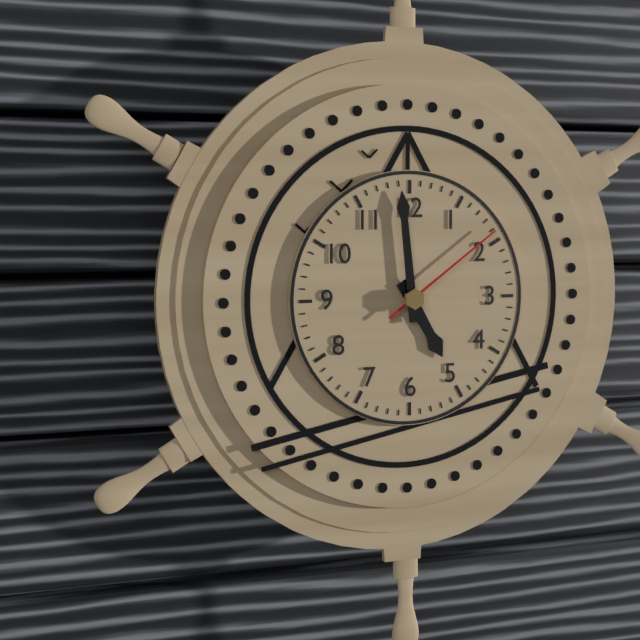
{"hour": 4, "minute": 59, "second": 9}
